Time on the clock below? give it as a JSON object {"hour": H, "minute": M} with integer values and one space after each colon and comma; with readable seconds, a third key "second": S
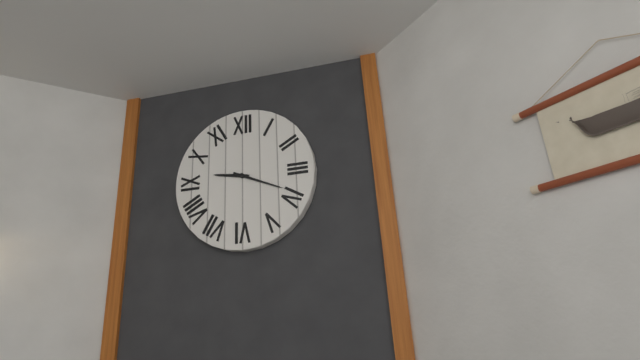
{"hour": 9, "minute": 19}
